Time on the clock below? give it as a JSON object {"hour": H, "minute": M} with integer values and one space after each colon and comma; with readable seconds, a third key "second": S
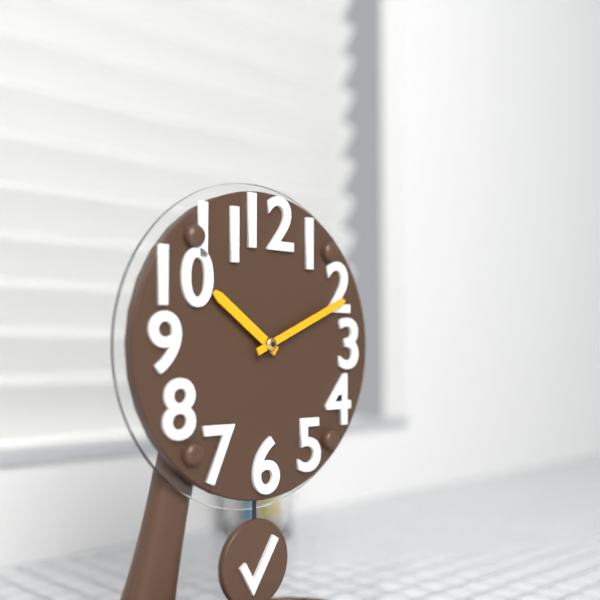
{"hour": 10, "minute": 11}
